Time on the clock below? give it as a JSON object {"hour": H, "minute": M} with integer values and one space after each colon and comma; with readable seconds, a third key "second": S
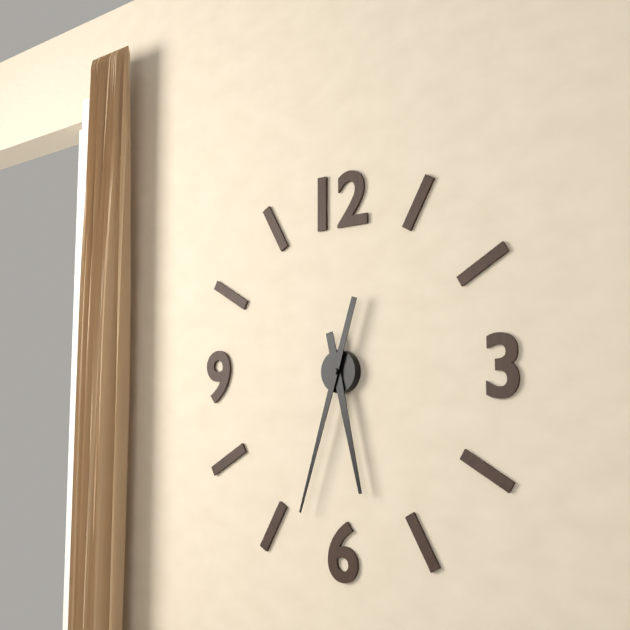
{"hour": 5, "minute": 33}
